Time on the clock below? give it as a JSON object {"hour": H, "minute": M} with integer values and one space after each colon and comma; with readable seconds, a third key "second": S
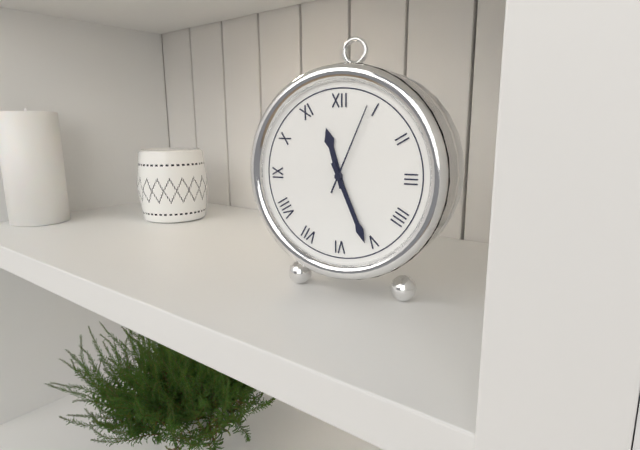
{"hour": 11, "minute": 26, "second": 4}
